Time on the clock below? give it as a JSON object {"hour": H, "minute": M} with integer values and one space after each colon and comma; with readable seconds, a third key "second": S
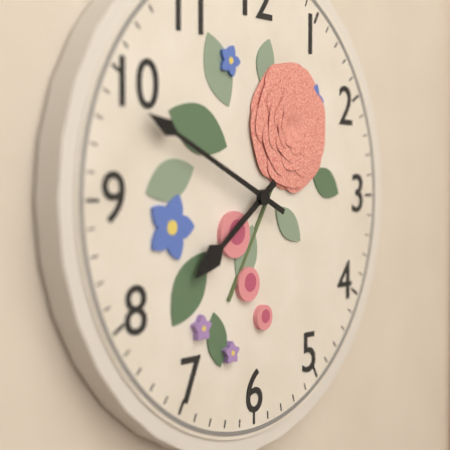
{"hour": 7, "minute": 49}
